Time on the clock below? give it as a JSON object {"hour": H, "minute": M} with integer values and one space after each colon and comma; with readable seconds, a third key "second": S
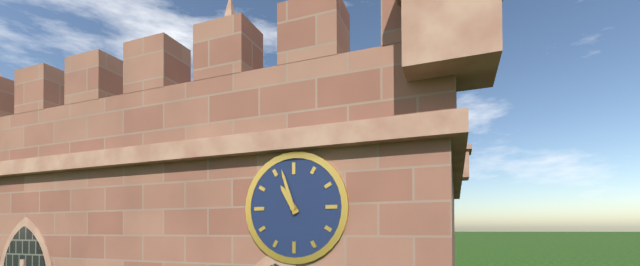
{"hour": 10, "minute": 57}
